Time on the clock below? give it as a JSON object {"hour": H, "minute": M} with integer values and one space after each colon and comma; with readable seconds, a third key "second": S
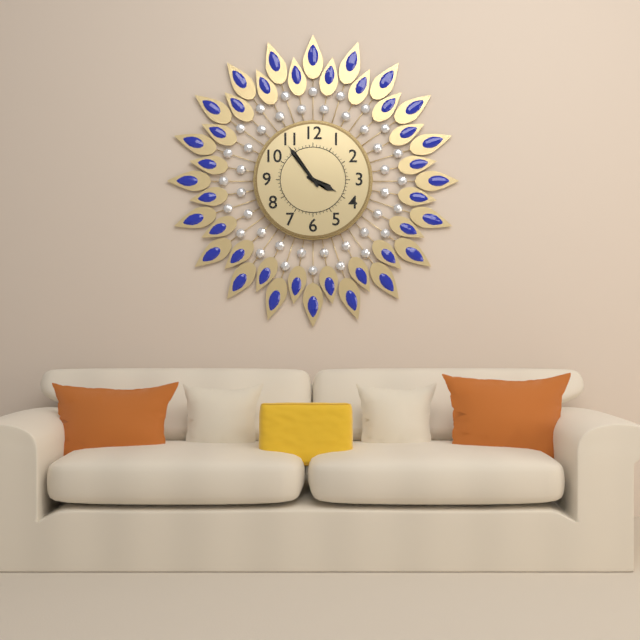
{"hour": 3, "minute": 54}
